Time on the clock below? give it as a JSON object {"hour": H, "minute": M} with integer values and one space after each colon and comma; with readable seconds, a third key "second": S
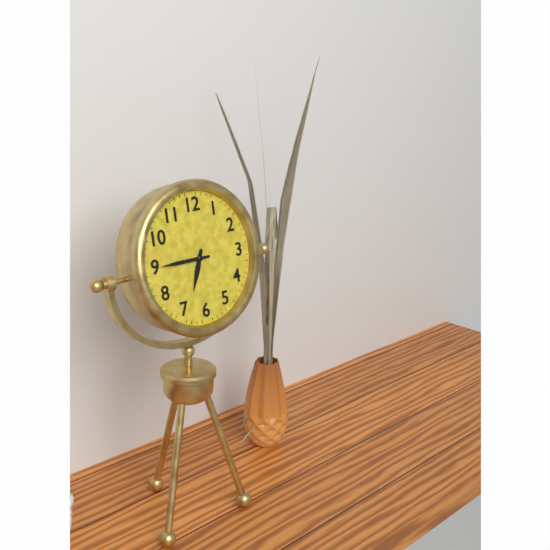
{"hour": 6, "minute": 45}
